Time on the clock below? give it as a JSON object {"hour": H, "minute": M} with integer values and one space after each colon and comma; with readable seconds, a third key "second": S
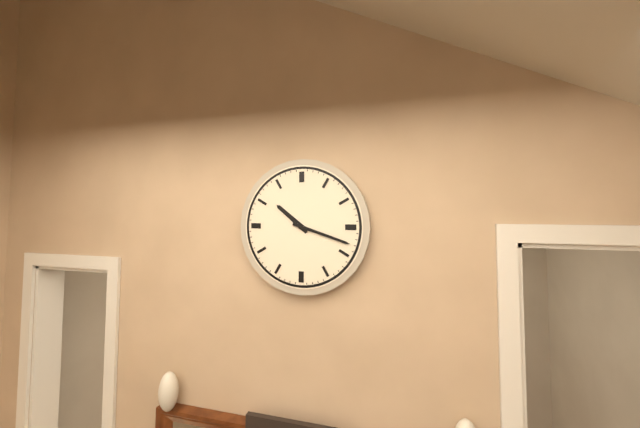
{"hour": 10, "minute": 18}
